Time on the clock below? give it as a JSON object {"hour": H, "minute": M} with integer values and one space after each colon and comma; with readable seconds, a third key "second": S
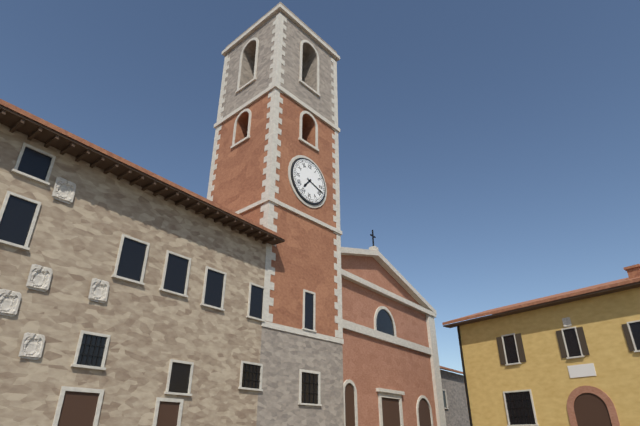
{"hour": 7, "minute": 18}
